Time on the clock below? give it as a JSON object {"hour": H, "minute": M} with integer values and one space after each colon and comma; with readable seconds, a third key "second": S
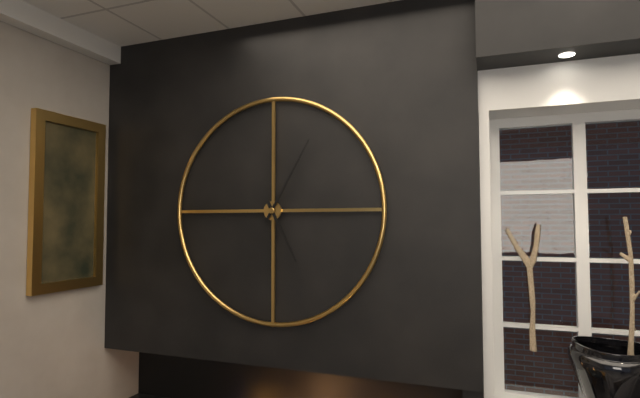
{"hour": 5, "minute": 5}
